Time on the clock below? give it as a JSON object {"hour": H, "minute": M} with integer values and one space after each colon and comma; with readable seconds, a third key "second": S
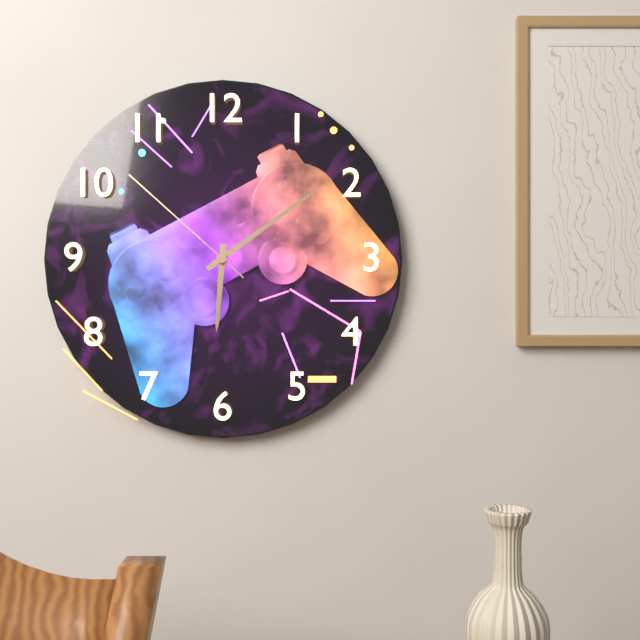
{"hour": 6, "minute": 9, "second": 52}
